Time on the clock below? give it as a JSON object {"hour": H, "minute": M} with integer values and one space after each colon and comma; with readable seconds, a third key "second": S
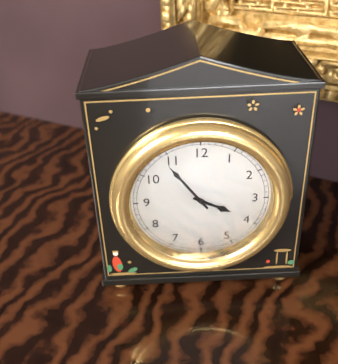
{"hour": 3, "minute": 54}
